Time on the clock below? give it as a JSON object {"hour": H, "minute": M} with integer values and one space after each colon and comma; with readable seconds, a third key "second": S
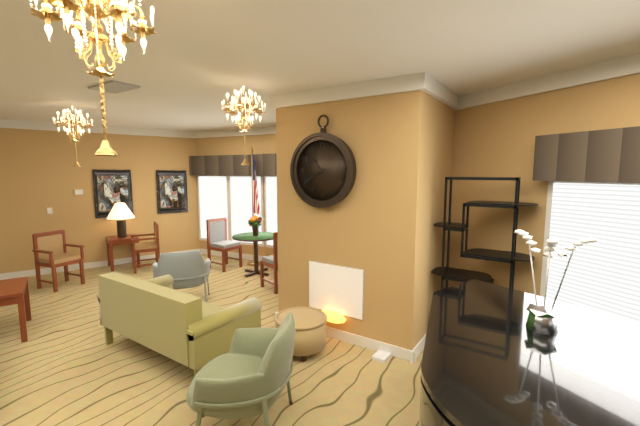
{"hour": 10, "minute": 40}
